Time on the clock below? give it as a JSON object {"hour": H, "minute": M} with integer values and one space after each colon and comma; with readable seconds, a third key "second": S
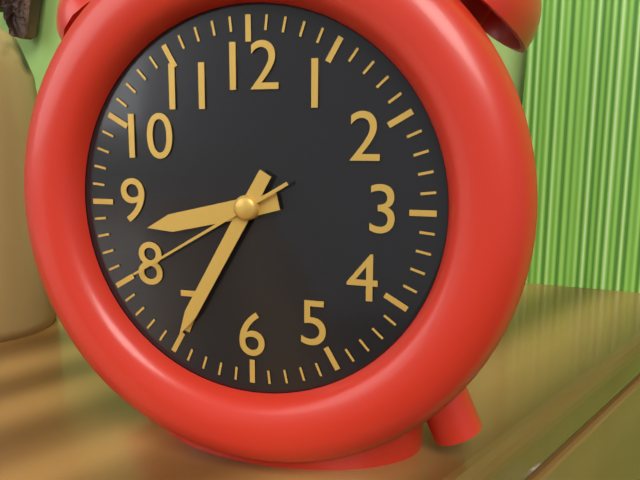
{"hour": 8, "minute": 35, "second": 40}
